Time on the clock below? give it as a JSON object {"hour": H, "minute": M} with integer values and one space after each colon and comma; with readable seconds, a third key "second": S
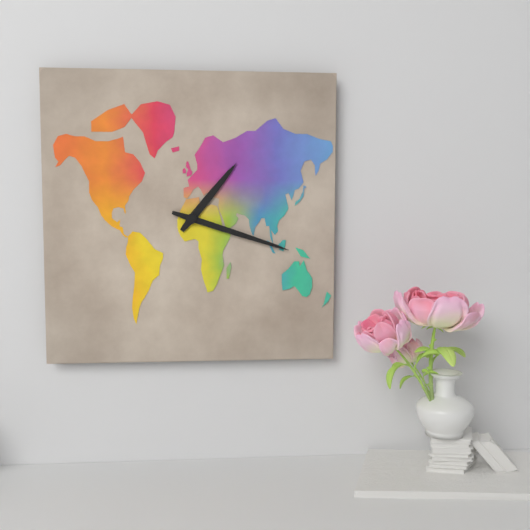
{"hour": 1, "minute": 18}
